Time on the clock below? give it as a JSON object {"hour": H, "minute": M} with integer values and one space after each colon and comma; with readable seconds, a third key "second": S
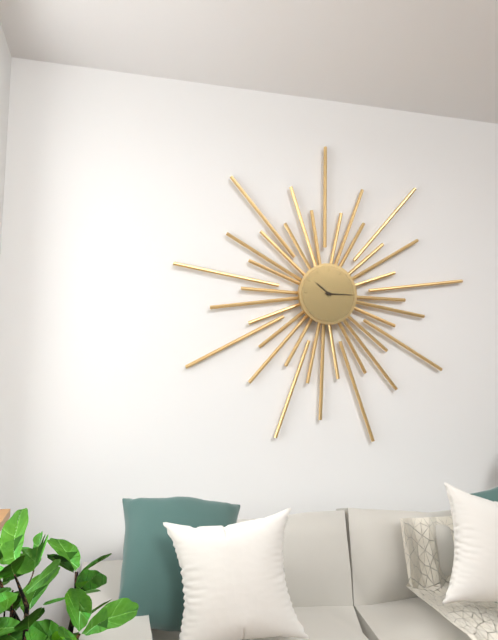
{"hour": 10, "minute": 15}
